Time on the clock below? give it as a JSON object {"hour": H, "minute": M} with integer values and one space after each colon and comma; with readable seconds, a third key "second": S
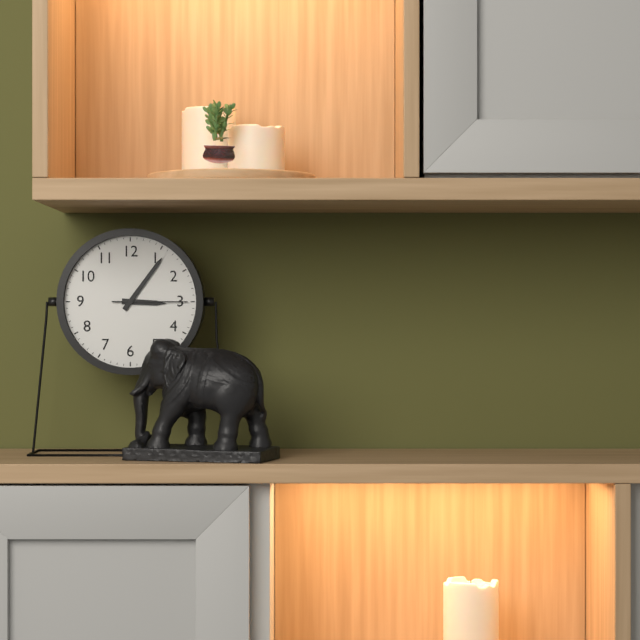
{"hour": 3, "minute": 6, "second": 15}
